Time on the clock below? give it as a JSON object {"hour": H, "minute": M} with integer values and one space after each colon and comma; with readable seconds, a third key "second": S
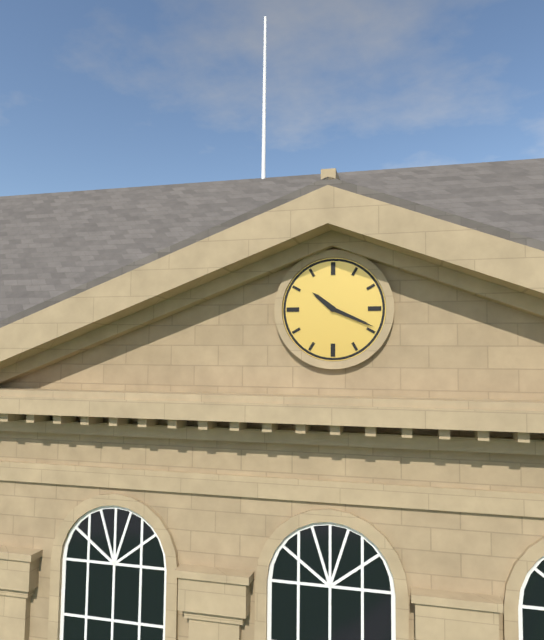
{"hour": 10, "minute": 19}
